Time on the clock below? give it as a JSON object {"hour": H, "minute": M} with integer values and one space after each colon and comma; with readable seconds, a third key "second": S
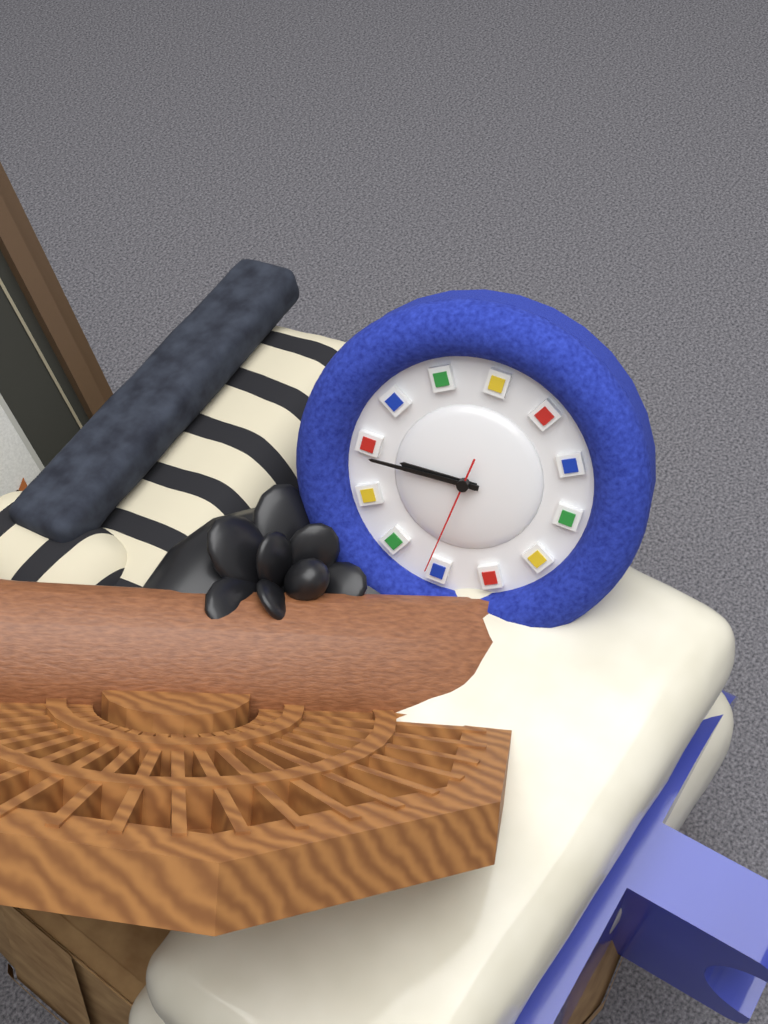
{"hour": 10, "minute": 54, "second": 41}
